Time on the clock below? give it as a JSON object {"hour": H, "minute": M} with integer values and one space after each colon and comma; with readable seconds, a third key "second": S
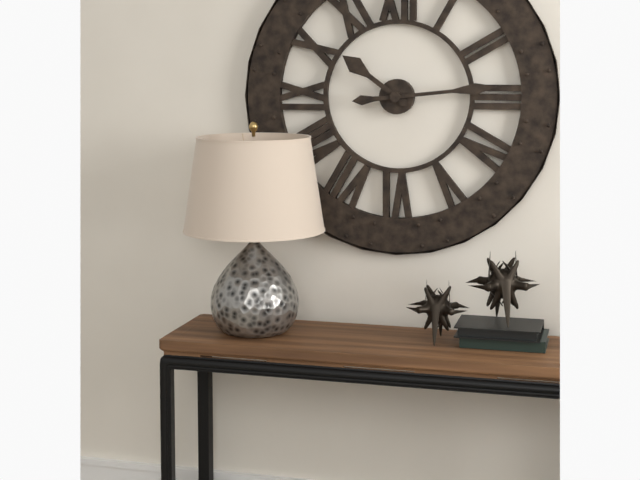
{"hour": 10, "minute": 14}
